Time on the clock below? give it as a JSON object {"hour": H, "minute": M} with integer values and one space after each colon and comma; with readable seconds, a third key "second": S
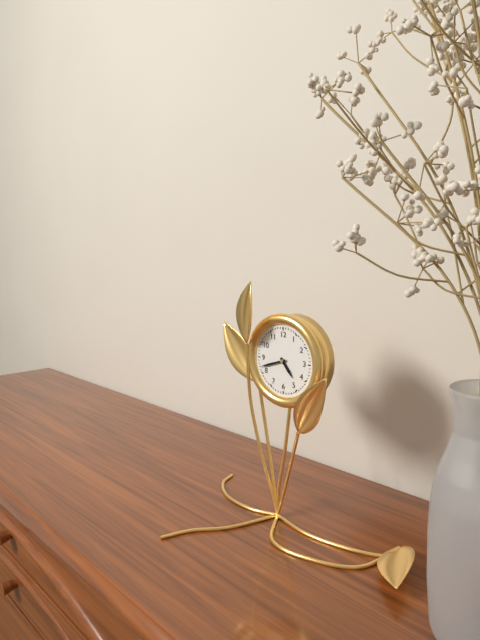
{"hour": 4, "minute": 42}
